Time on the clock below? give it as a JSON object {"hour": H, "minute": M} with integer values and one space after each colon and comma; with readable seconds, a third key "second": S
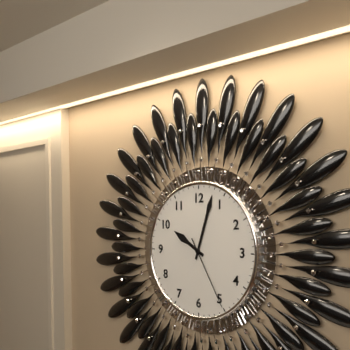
{"hour": 10, "minute": 3, "second": 25}
